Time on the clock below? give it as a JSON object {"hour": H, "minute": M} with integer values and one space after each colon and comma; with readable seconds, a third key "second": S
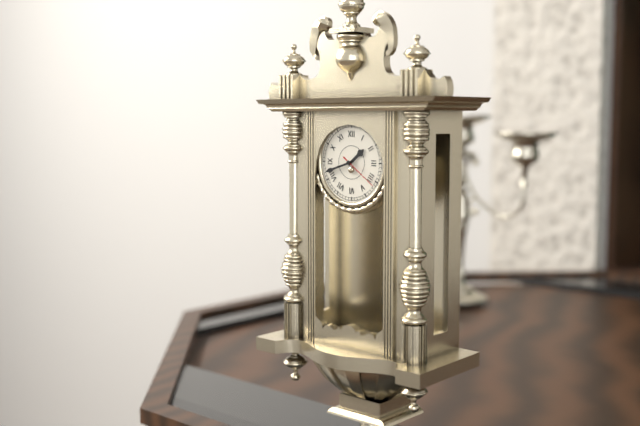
{"hour": 1, "minute": 42}
